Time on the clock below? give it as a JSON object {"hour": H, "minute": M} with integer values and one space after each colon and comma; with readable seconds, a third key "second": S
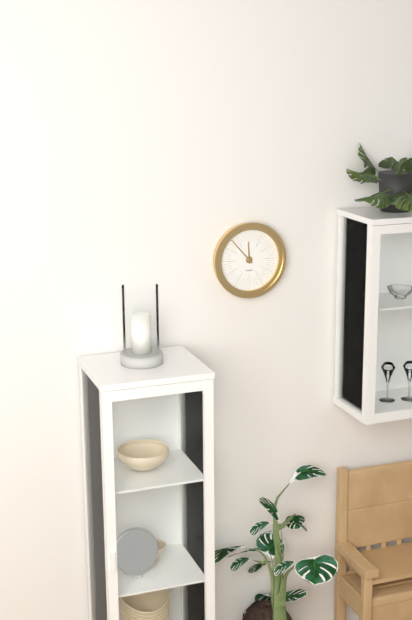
{"hour": 11, "minute": 53}
